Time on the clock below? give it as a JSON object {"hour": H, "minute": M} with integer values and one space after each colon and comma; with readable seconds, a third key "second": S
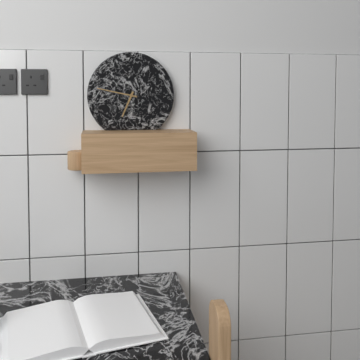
{"hour": 6, "minute": 47}
